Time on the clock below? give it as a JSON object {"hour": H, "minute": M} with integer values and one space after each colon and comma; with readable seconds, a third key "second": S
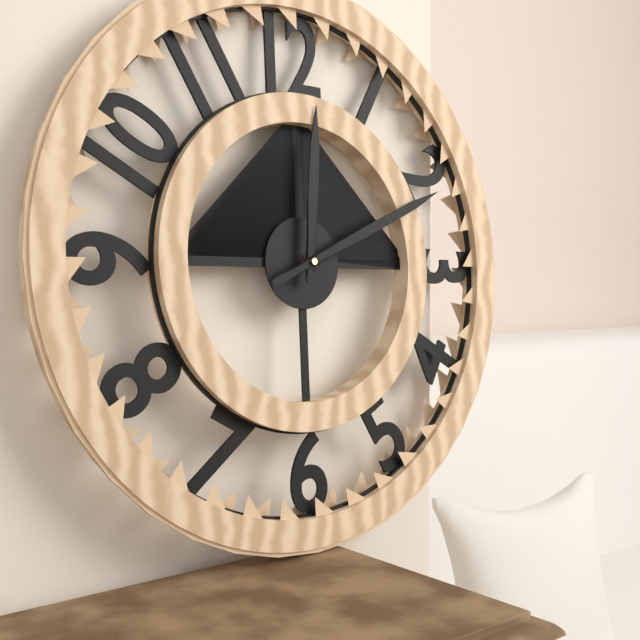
{"hour": 12, "minute": 11}
